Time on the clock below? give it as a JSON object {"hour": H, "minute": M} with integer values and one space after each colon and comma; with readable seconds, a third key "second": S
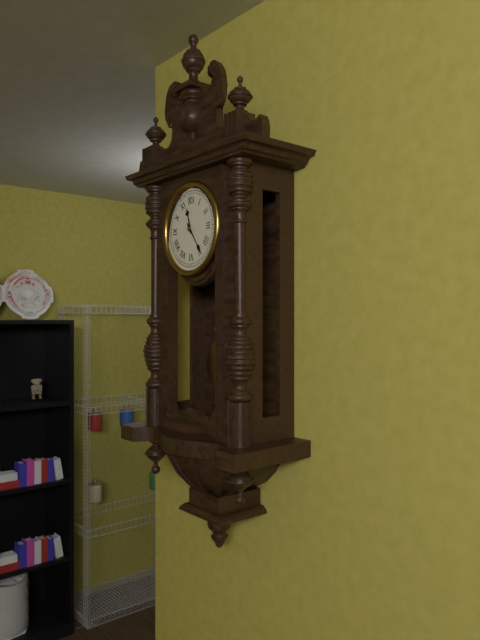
{"hour": 11, "minute": 24}
